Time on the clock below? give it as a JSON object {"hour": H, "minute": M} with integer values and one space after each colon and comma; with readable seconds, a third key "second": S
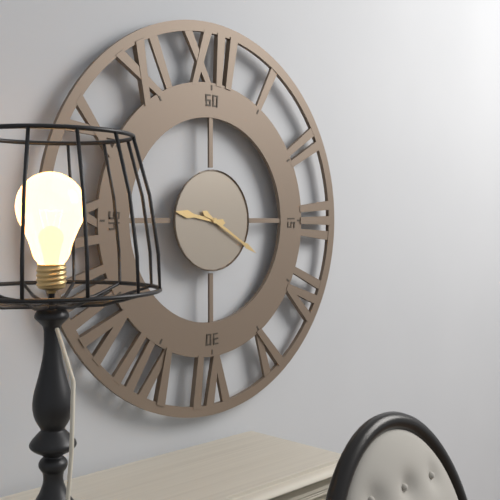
{"hour": 9, "minute": 20}
